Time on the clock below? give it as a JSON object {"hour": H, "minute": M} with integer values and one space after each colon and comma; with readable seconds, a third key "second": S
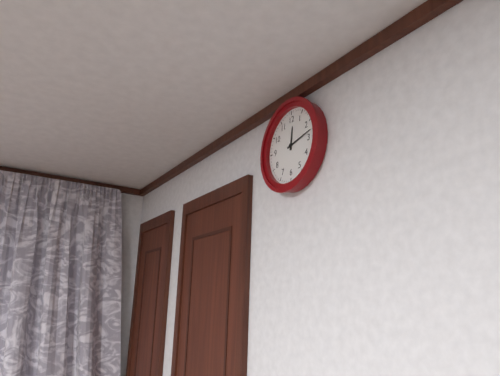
{"hour": 12, "minute": 13}
